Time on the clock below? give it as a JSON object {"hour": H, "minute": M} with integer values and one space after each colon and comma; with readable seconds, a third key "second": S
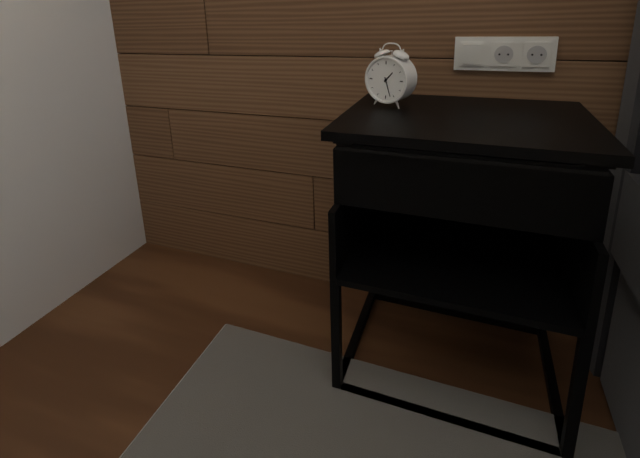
{"hour": 1, "minute": 27}
